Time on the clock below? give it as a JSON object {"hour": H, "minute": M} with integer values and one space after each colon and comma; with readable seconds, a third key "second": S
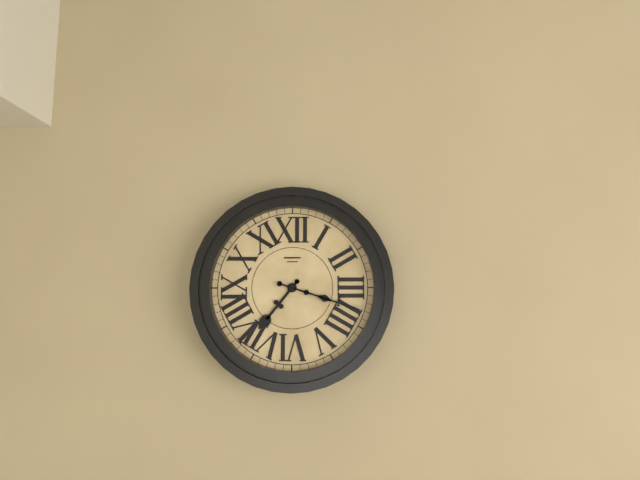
{"hour": 7, "minute": 18}
